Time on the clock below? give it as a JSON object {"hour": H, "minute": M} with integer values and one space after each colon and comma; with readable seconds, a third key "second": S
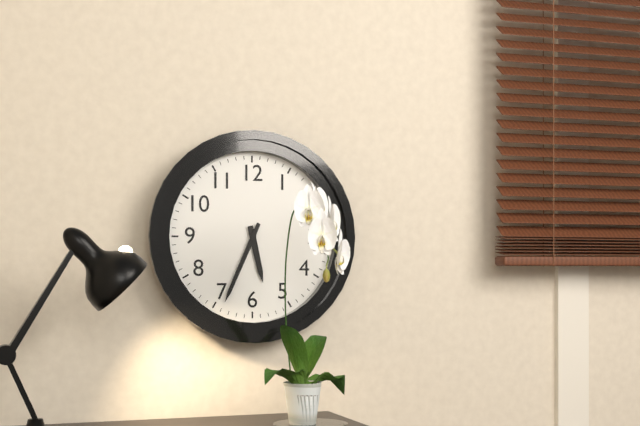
{"hour": 5, "minute": 34}
